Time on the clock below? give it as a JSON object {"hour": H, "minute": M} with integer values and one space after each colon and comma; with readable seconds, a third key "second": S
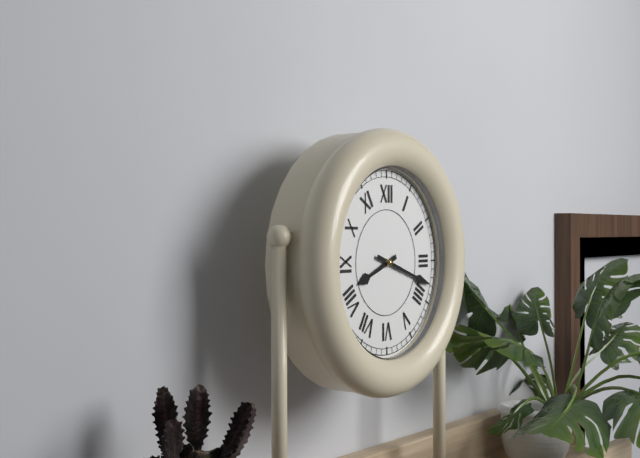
{"hour": 8, "minute": 18}
